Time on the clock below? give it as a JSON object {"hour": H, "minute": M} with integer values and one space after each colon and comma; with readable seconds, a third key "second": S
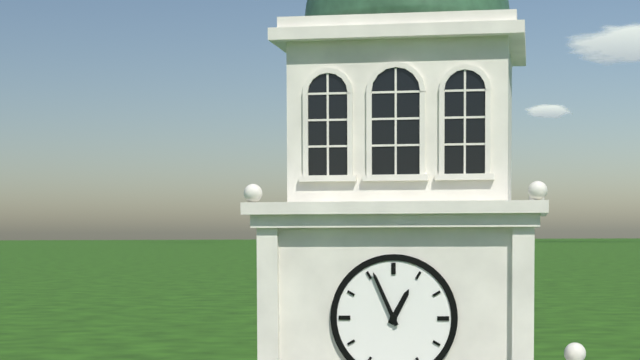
{"hour": 12, "minute": 56}
